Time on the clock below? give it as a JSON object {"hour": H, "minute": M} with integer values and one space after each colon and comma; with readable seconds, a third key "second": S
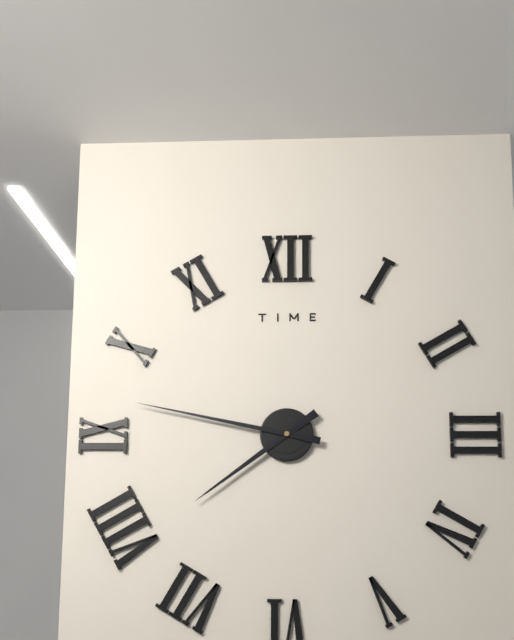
{"hour": 7, "minute": 47}
